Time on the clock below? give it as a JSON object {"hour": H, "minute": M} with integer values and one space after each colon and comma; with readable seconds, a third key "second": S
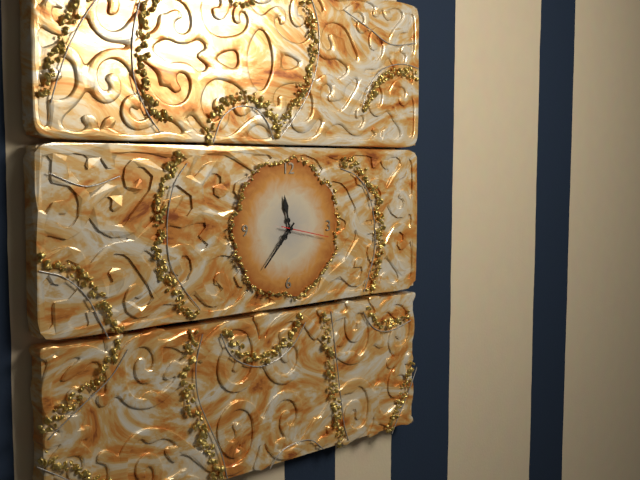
{"hour": 11, "minute": 37, "second": 17}
